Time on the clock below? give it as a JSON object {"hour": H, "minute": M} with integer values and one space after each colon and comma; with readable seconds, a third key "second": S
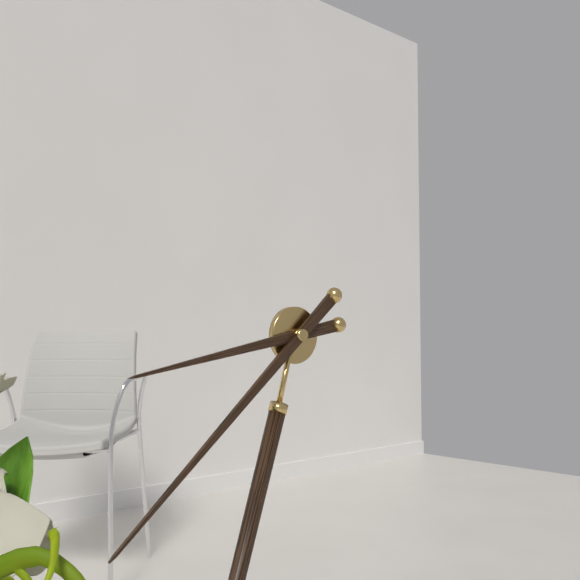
{"hour": 8, "minute": 38}
